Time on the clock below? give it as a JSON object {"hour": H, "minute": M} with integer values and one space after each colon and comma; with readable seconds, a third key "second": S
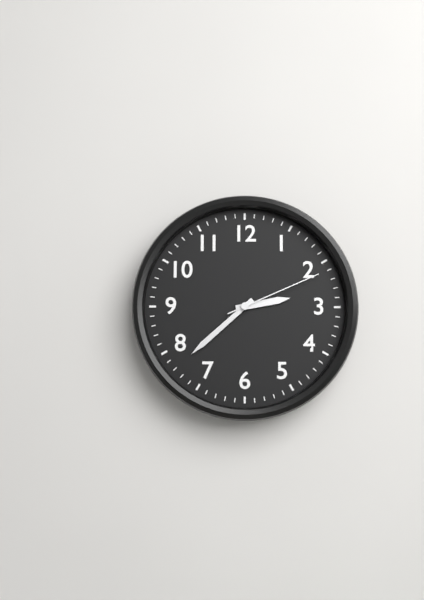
{"hour": 2, "minute": 38, "second": 11}
